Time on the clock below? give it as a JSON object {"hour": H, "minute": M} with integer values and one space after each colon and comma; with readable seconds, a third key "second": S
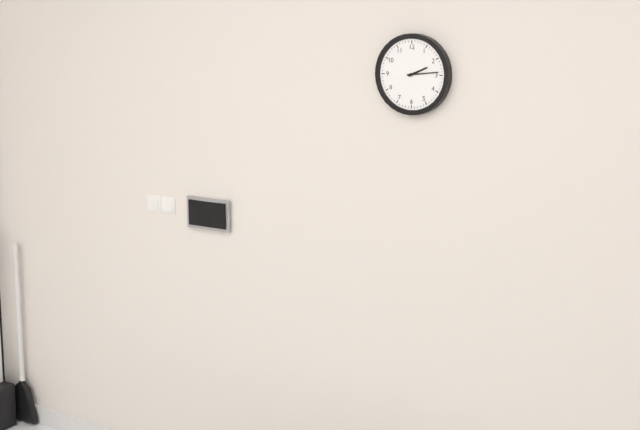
{"hour": 2, "minute": 14}
